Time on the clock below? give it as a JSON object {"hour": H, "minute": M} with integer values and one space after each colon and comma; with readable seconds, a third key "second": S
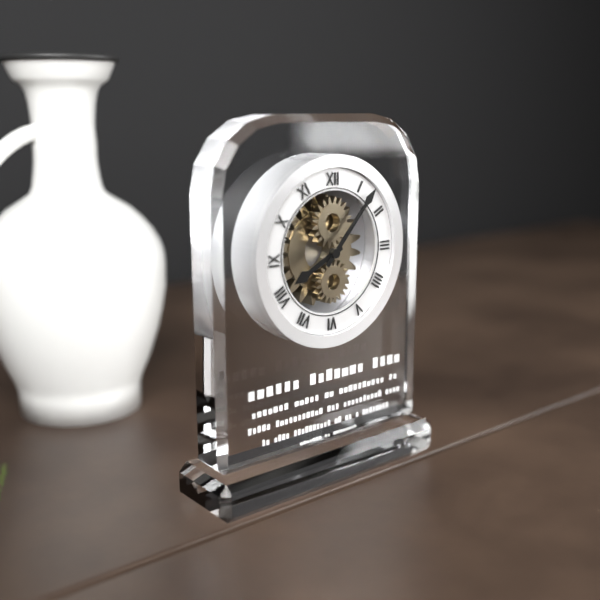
{"hour": 8, "minute": 7}
